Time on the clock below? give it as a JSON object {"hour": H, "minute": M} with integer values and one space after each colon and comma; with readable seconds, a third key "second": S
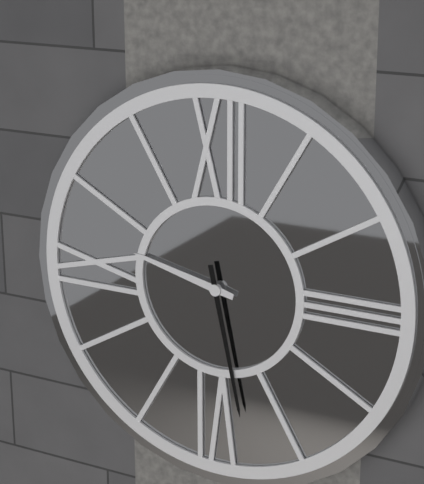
{"hour": 9, "minute": 28}
